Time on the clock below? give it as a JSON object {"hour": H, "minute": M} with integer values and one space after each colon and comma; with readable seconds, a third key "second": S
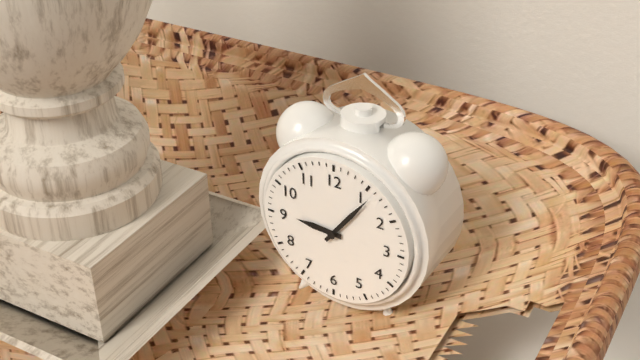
{"hour": 9, "minute": 6}
